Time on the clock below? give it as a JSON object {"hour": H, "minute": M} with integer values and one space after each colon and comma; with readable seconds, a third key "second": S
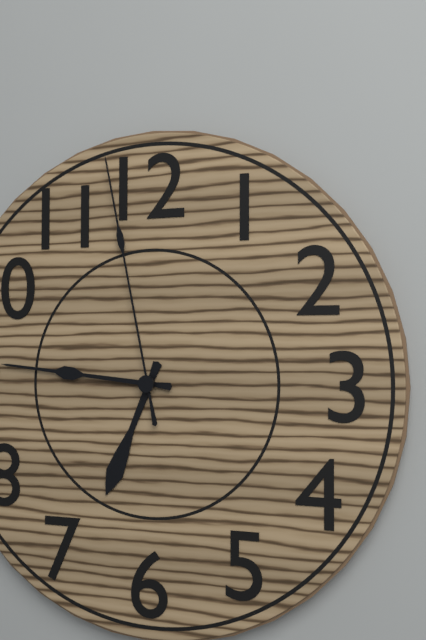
{"hour": 6, "minute": 46, "second": 58}
